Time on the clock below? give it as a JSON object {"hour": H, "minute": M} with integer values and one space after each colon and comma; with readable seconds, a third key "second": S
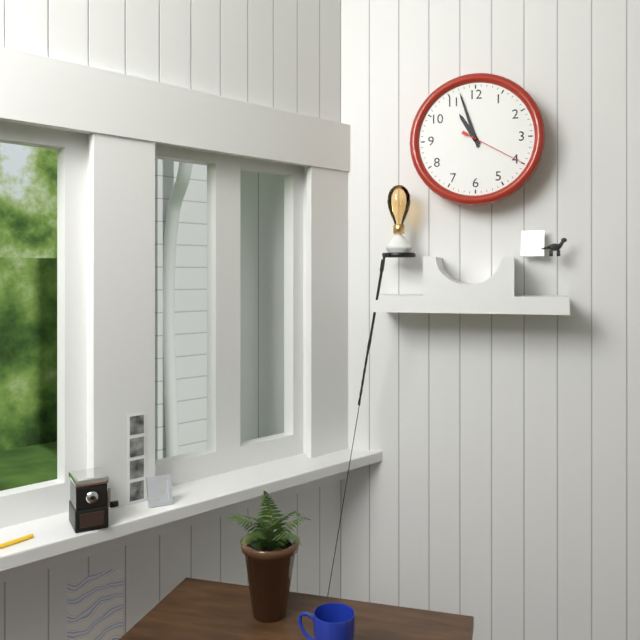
{"hour": 10, "minute": 57, "second": 20}
